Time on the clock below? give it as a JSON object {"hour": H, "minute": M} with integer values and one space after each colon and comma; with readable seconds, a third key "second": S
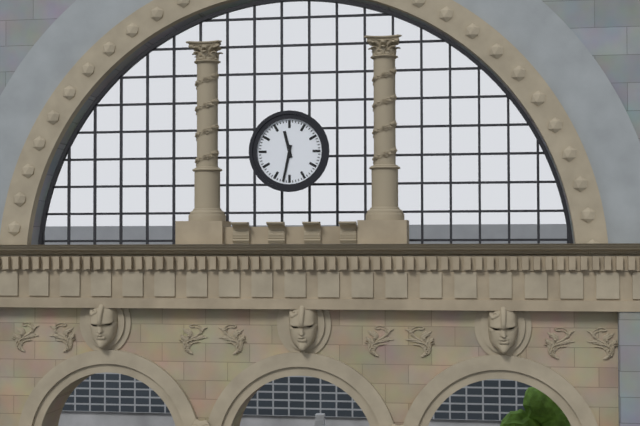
{"hour": 11, "minute": 32}
